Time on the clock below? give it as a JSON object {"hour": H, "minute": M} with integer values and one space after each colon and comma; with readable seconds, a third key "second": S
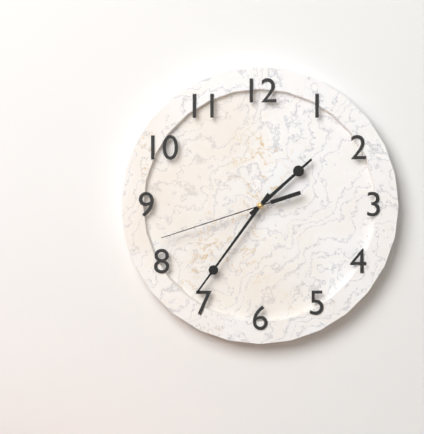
{"hour": 1, "minute": 36, "second": 42}
